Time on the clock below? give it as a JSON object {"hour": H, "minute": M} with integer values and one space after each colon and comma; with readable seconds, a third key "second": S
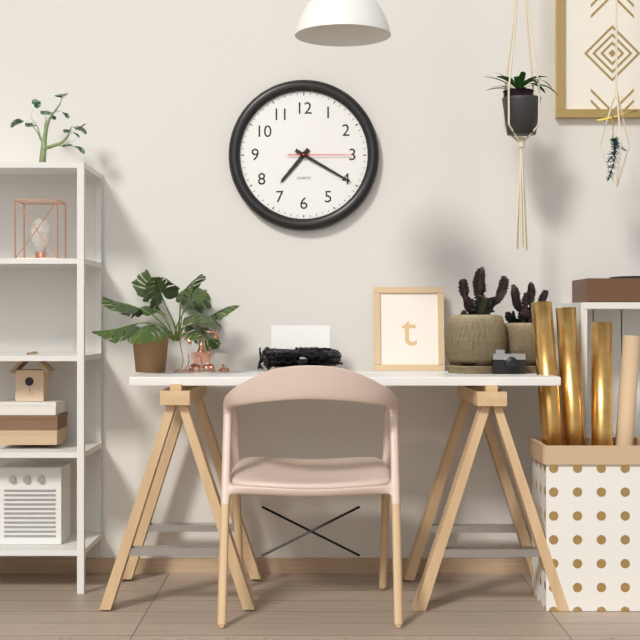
{"hour": 7, "minute": 20, "second": 15}
